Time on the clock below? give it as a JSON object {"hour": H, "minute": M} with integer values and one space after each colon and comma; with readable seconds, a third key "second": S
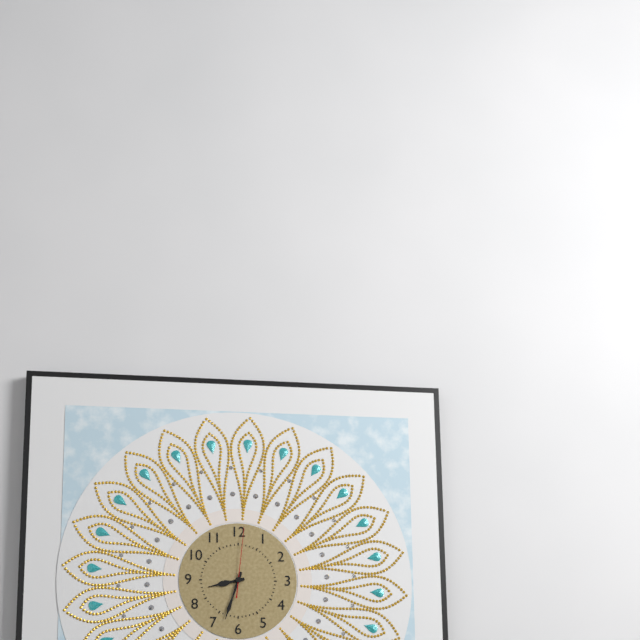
{"hour": 8, "minute": 33, "second": 1}
